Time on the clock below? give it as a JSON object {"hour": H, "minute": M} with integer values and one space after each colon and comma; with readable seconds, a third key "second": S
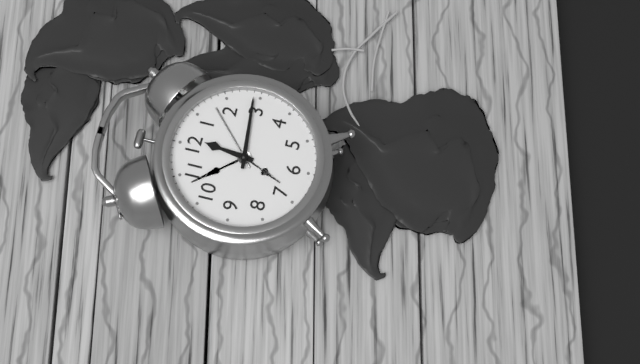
{"hour": 12, "minute": 14}
